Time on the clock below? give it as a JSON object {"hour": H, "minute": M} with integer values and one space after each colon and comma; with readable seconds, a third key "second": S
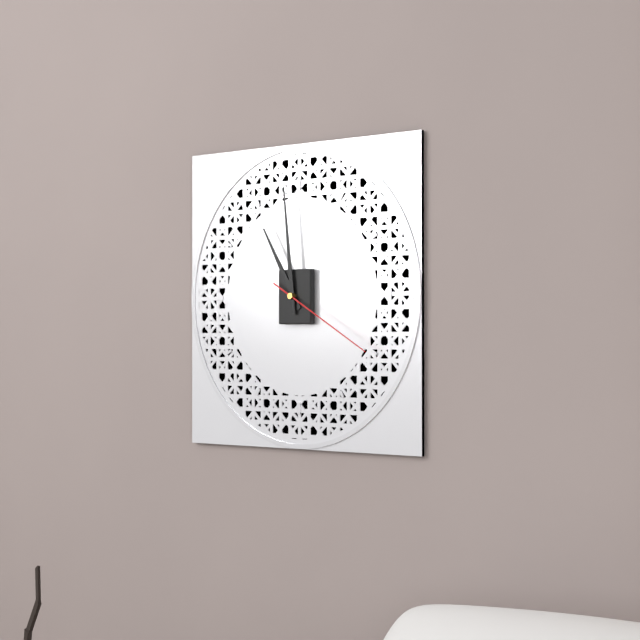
{"hour": 10, "minute": 59, "second": 20}
